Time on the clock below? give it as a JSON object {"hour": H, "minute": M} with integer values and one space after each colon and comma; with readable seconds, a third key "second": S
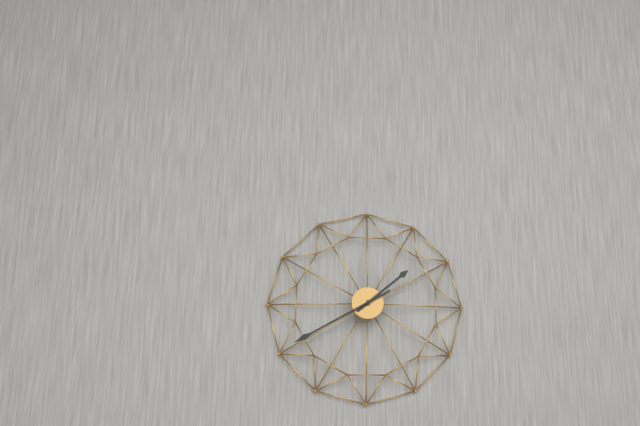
{"hour": 1, "minute": 40}
